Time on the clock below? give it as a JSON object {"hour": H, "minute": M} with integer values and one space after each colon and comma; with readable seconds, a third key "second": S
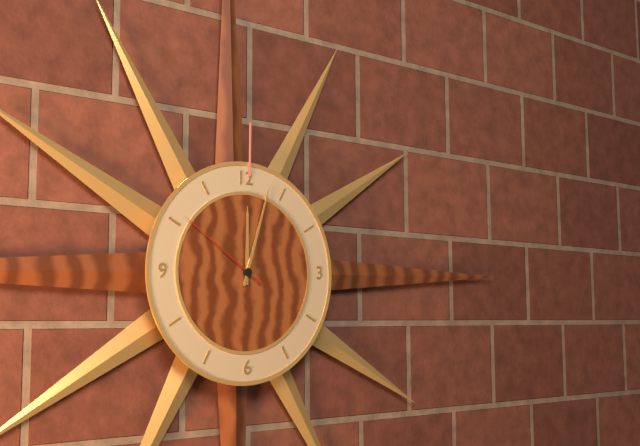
{"hour": 12, "minute": 3, "second": 51}
